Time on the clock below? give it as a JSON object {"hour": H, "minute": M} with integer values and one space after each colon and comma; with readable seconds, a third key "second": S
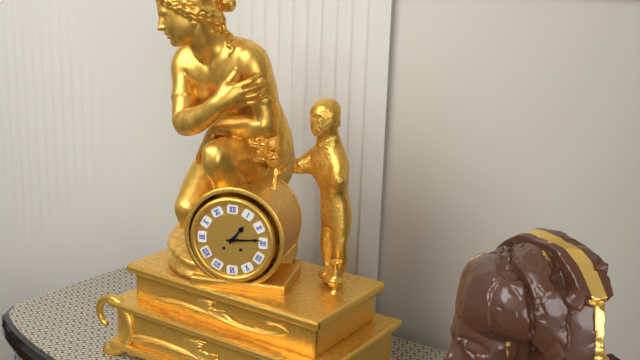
{"hour": 1, "minute": 14}
